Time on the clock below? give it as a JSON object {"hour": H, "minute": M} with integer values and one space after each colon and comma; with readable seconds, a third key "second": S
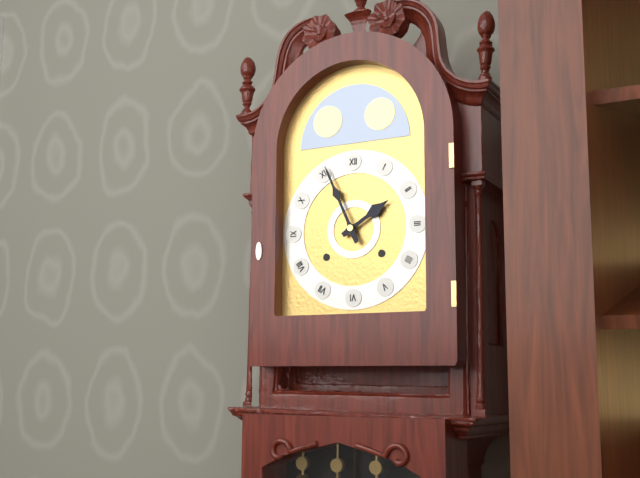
{"hour": 1, "minute": 56}
